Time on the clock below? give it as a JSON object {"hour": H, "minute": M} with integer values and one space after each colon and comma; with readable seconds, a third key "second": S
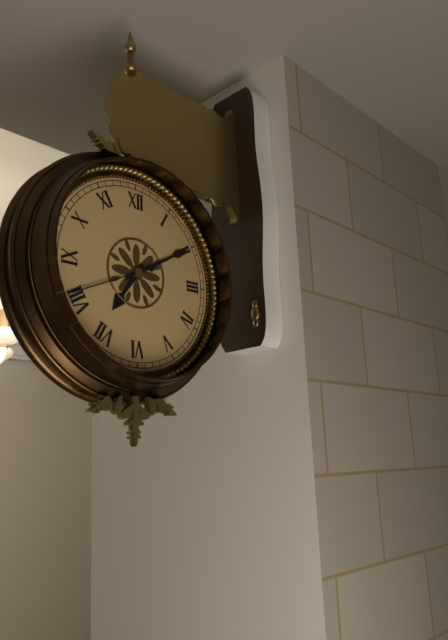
{"hour": 7, "minute": 10, "second": 41}
